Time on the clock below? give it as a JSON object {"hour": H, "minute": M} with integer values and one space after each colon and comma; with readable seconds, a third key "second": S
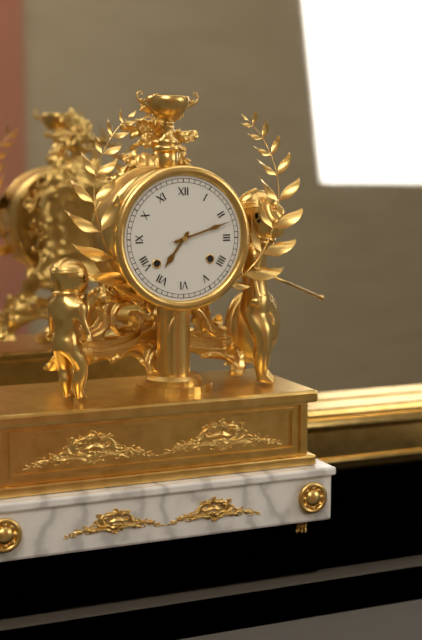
{"hour": 7, "minute": 12}
